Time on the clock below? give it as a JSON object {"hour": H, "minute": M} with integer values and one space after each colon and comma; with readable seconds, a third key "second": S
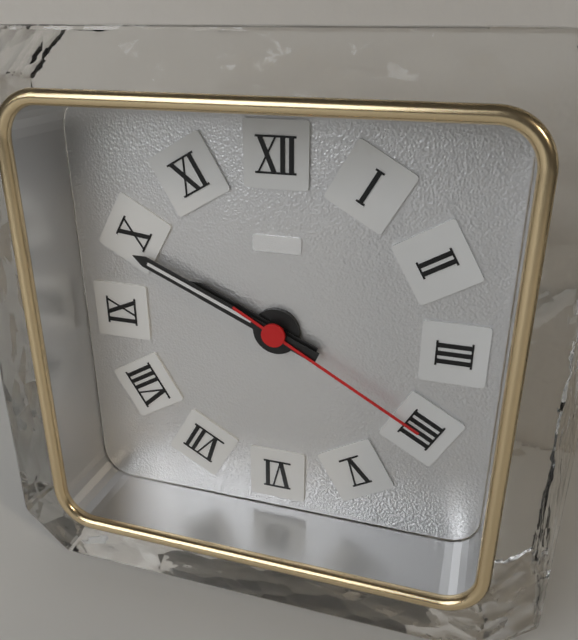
{"hour": 9, "minute": 49, "second": 20}
